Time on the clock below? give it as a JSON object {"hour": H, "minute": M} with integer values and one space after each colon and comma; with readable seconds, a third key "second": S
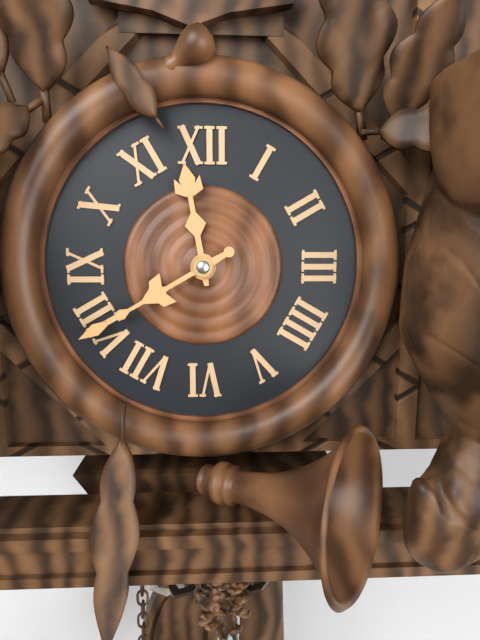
{"hour": 11, "minute": 40}
